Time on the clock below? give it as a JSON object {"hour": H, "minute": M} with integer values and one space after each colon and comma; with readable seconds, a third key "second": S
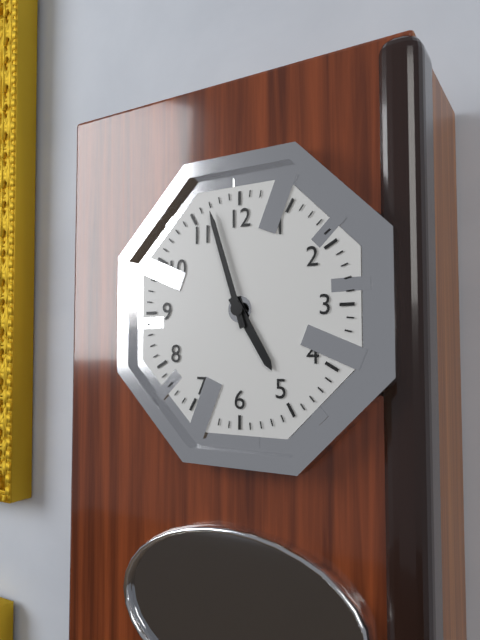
{"hour": 4, "minute": 57}
